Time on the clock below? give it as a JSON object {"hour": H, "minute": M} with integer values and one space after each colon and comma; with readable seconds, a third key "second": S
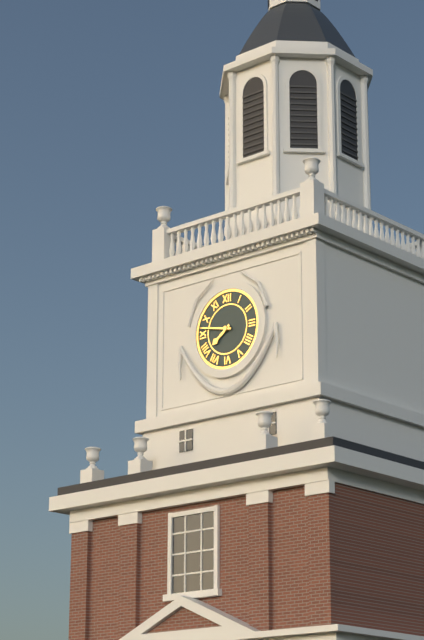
{"hour": 7, "minute": 47}
